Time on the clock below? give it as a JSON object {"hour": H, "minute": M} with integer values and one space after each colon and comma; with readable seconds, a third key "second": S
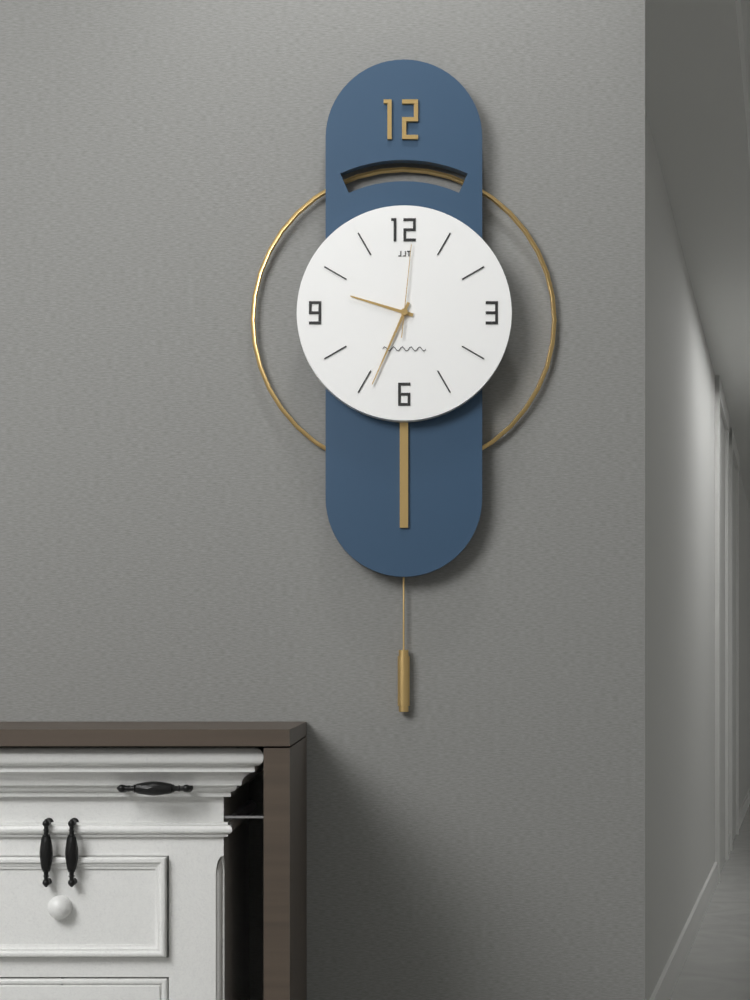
{"hour": 9, "minute": 34, "second": 1}
